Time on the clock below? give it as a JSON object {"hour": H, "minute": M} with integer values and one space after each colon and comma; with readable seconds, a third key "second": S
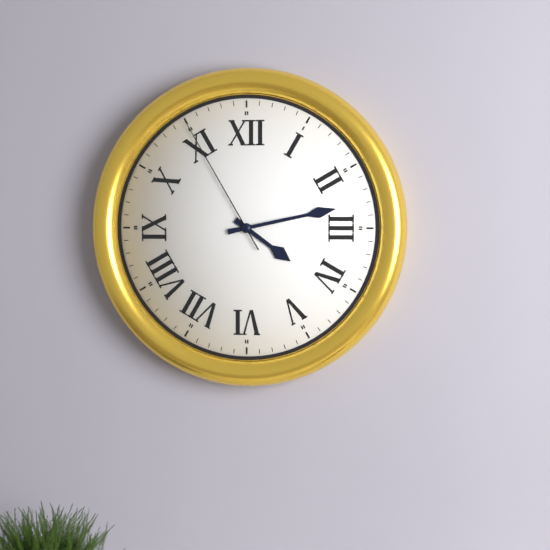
{"hour": 4, "minute": 13, "second": 55}
